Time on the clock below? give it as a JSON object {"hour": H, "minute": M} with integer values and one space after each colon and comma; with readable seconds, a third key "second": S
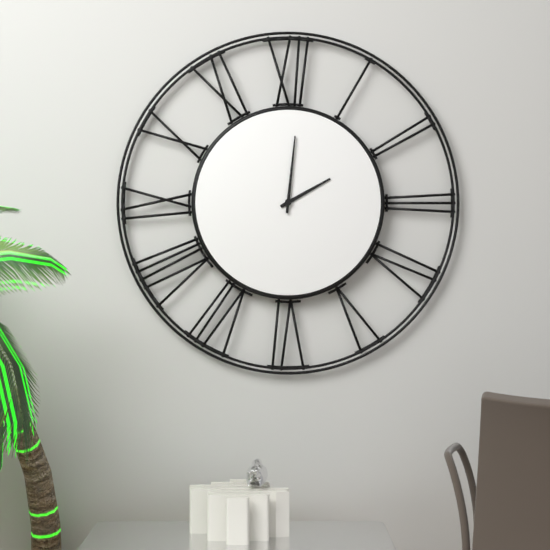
{"hour": 2, "minute": 1}
